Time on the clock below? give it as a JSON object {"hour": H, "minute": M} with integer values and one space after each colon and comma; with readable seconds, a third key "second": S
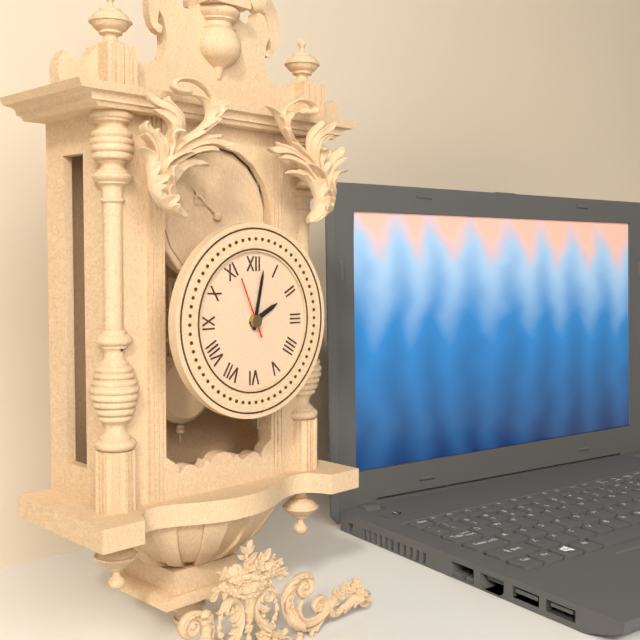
{"hour": 2, "minute": 2, "second": 56}
